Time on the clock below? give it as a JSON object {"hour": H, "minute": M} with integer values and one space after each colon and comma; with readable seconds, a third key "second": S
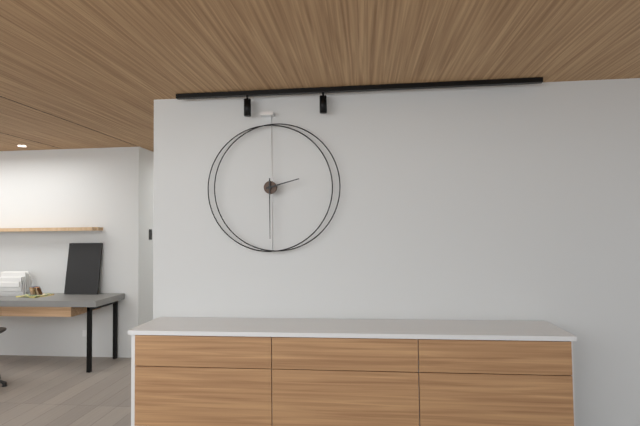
{"hour": 2, "minute": 30}
